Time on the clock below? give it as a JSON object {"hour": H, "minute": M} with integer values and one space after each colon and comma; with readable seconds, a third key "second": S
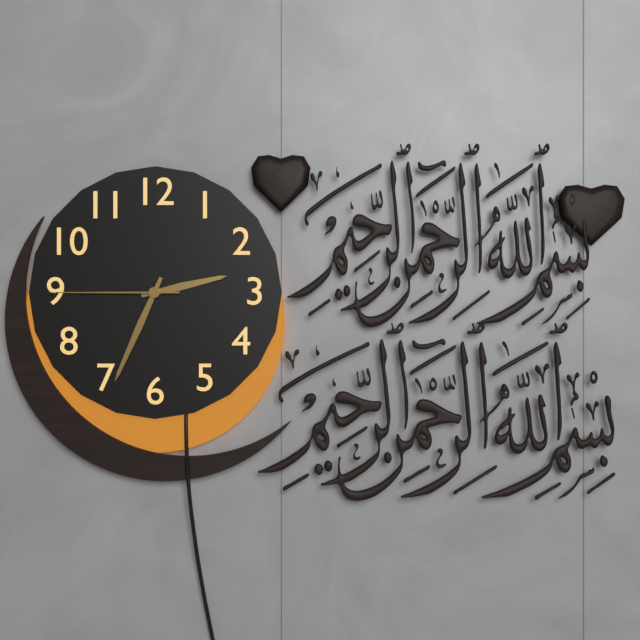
{"hour": 2, "minute": 34, "second": 45}
